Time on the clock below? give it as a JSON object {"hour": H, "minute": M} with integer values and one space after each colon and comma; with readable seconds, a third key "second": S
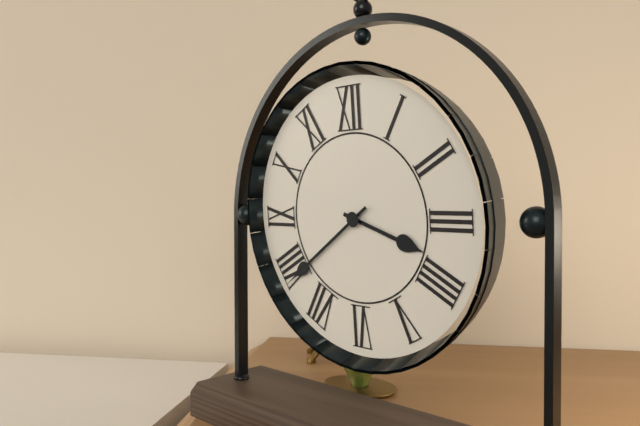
{"hour": 3, "minute": 39}
